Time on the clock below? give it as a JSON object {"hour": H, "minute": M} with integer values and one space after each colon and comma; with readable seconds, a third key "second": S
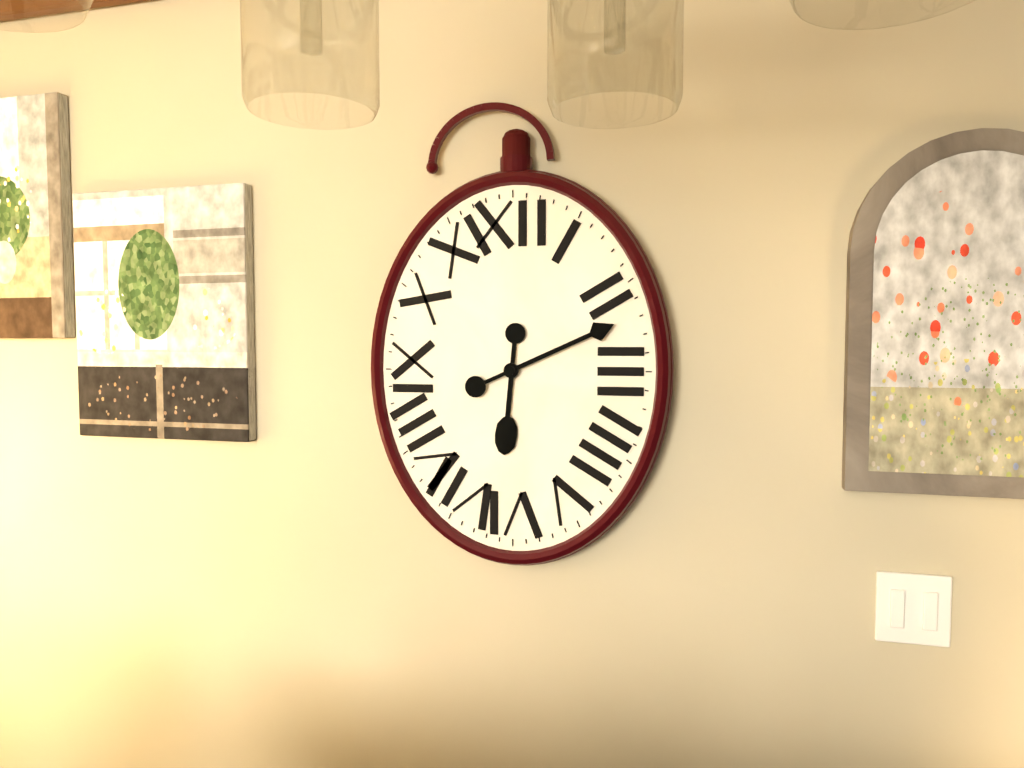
{"hour": 6, "minute": 11}
